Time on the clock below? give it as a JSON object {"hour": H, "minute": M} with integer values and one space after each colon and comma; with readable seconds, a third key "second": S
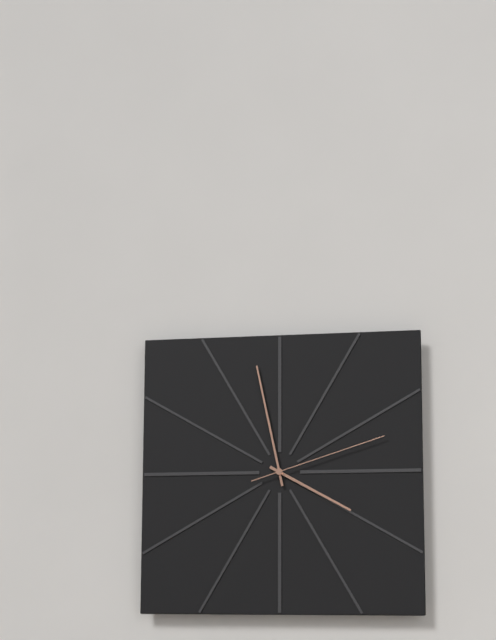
{"hour": 3, "minute": 58, "second": 12}
